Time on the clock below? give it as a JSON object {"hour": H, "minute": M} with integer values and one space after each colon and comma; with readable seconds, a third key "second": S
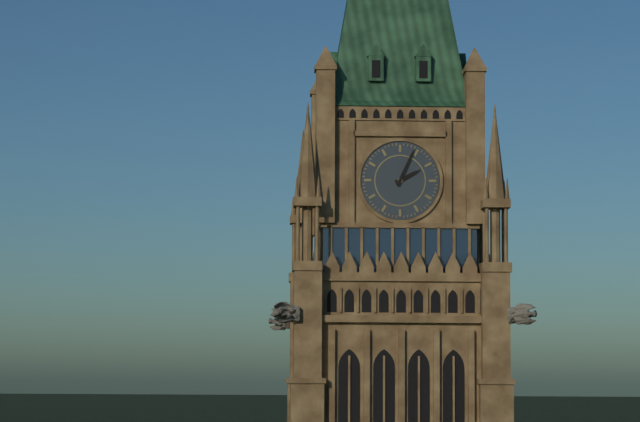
{"hour": 2, "minute": 4}
